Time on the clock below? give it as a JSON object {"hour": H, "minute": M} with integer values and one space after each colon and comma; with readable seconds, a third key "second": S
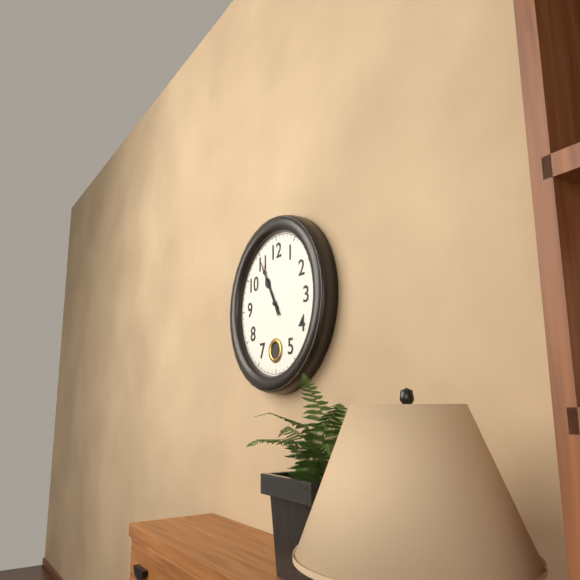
{"hour": 10, "minute": 55}
